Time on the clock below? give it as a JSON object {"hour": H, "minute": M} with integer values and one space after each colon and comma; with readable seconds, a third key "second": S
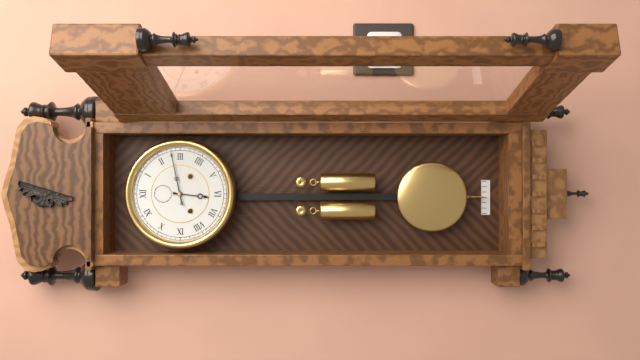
{"hour": 6, "minute": 13}
